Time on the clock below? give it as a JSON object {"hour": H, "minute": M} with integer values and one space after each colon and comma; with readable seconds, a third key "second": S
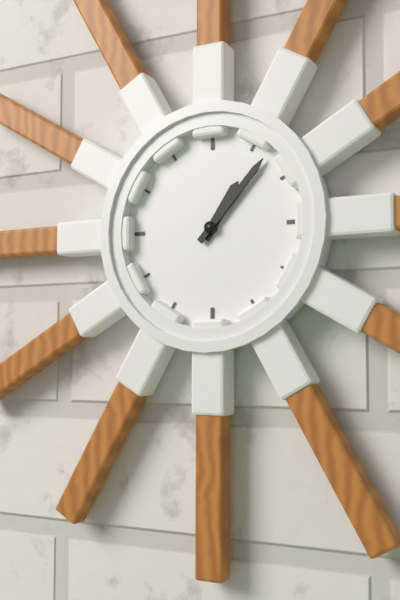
{"hour": 1, "minute": 7}
